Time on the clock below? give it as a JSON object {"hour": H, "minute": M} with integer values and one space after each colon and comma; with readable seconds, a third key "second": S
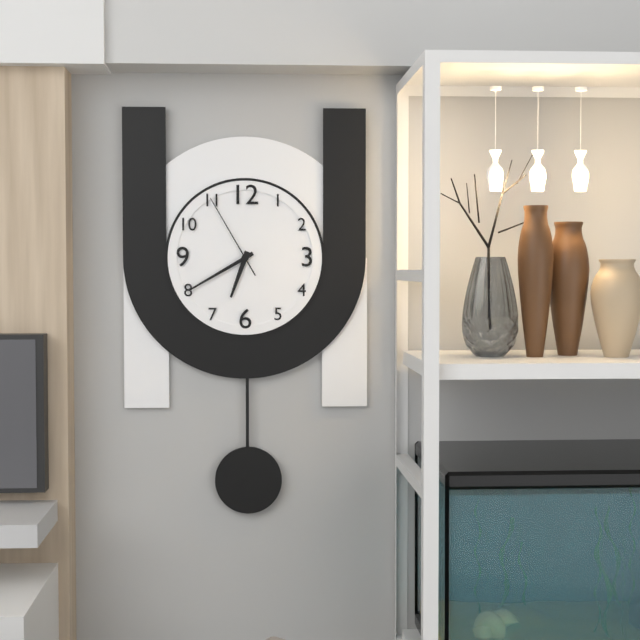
{"hour": 6, "minute": 40, "second": 55}
